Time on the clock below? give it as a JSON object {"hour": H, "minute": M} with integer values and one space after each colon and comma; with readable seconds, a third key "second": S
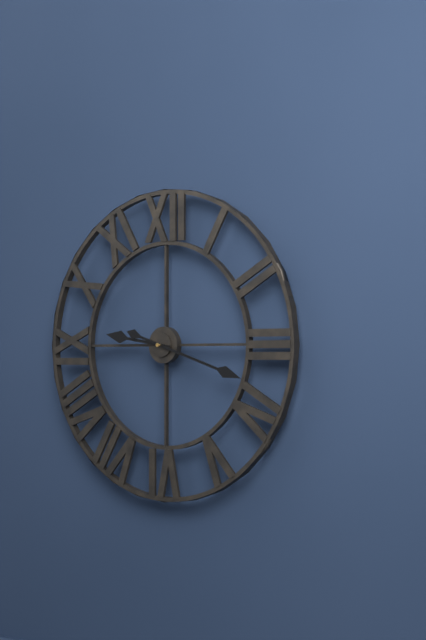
{"hour": 9, "minute": 18}
